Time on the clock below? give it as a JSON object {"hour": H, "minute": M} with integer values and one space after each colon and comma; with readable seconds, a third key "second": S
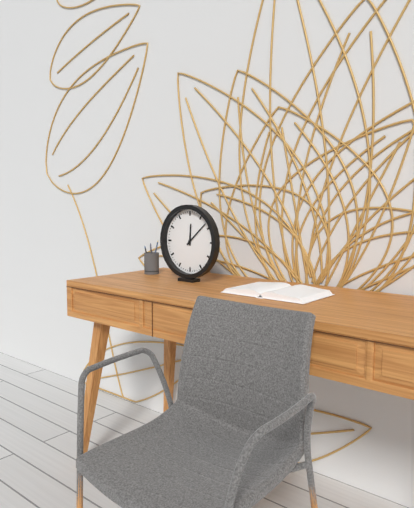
{"hour": 12, "minute": 8}
